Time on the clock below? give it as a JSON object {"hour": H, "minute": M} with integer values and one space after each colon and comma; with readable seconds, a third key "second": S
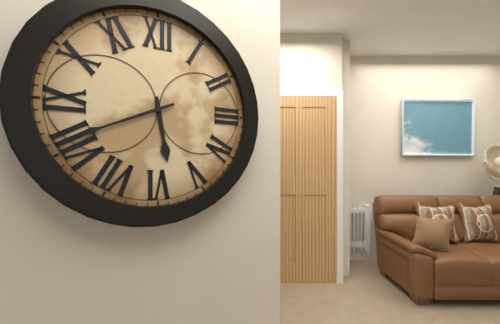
{"hour": 5, "minute": 41}
